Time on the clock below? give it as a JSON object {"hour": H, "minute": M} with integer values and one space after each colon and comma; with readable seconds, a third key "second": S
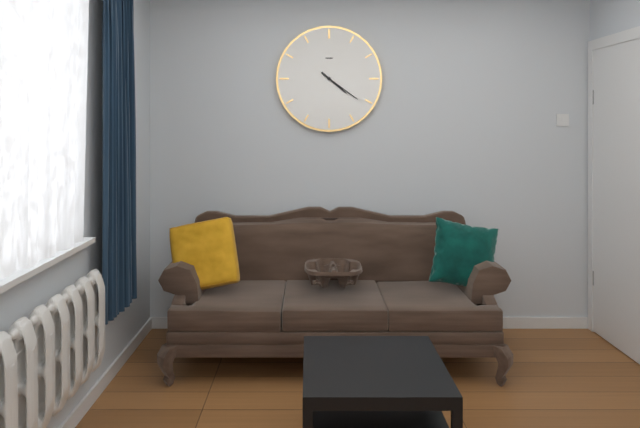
{"hour": 4, "minute": 21}
